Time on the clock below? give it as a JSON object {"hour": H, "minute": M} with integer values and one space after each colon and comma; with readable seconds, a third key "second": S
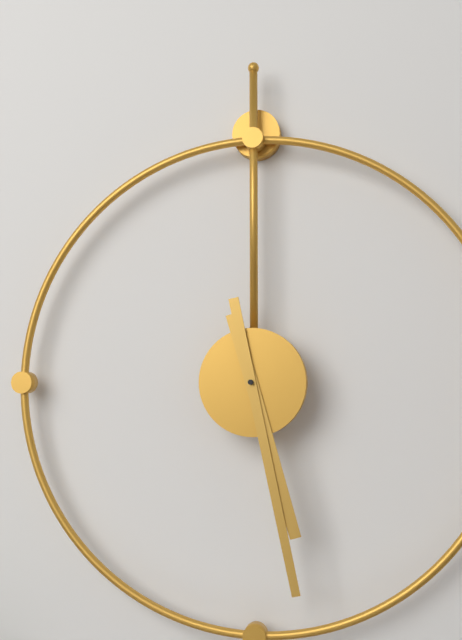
{"hour": 5, "minute": 28}
